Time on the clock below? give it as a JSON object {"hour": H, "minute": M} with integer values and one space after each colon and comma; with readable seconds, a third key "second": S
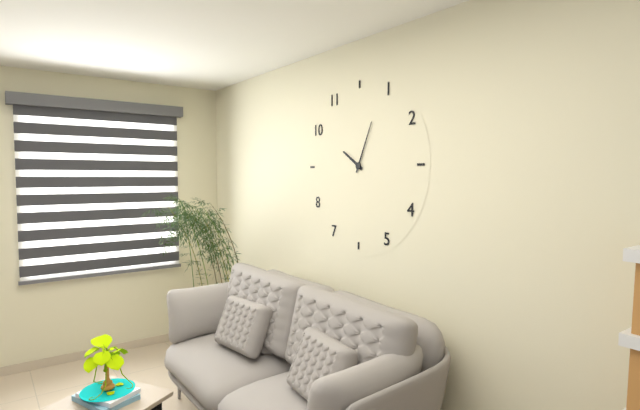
{"hour": 10, "minute": 4}
